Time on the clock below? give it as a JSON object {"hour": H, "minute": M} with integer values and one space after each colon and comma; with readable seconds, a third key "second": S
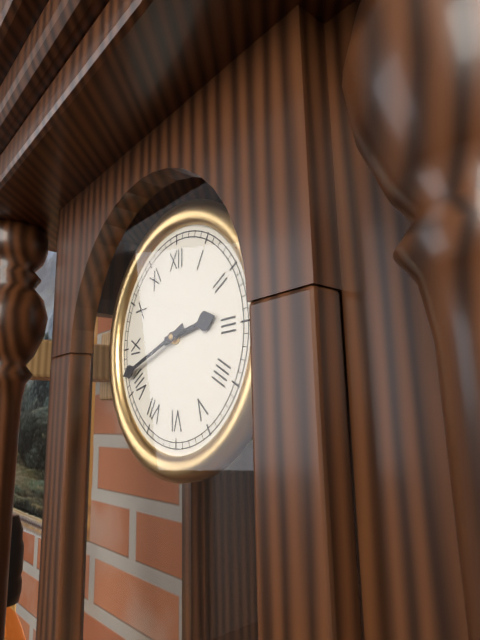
{"hour": 2, "minute": 42}
